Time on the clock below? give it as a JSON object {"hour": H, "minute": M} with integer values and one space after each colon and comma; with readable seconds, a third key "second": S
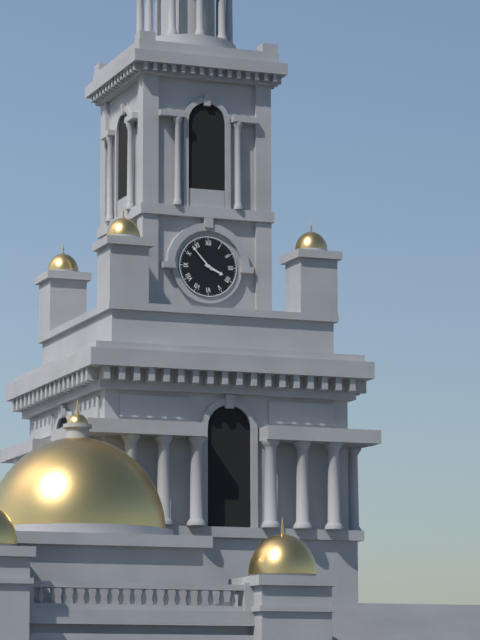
{"hour": 3, "minute": 53}
